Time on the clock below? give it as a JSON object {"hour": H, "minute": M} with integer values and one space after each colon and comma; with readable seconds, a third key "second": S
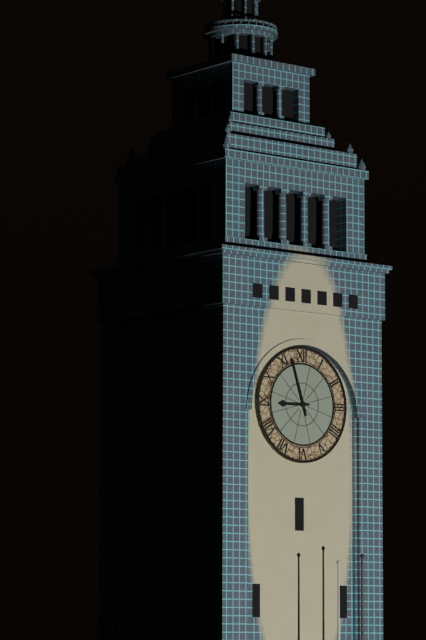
{"hour": 8, "minute": 57}
